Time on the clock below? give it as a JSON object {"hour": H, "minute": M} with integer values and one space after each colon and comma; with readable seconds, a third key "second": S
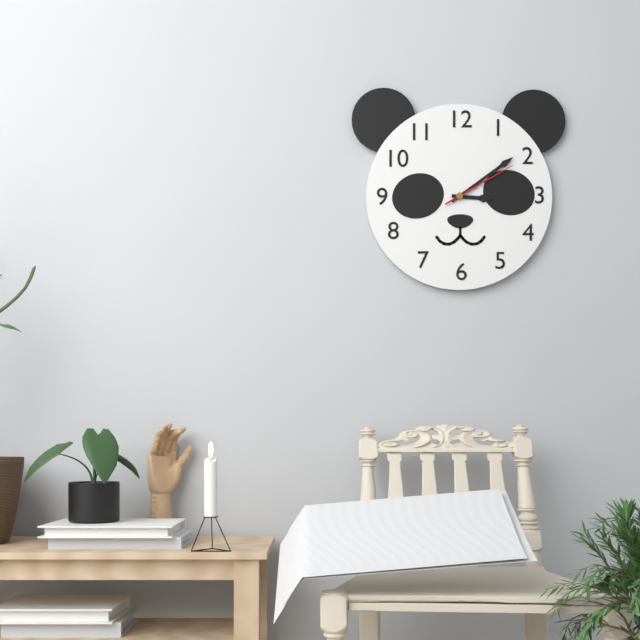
{"hour": 3, "minute": 9, "second": 10}
